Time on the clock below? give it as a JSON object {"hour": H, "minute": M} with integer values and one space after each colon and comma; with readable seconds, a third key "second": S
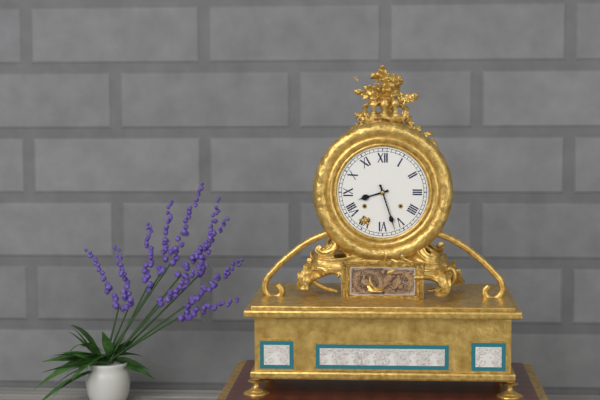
{"hour": 8, "minute": 27}
